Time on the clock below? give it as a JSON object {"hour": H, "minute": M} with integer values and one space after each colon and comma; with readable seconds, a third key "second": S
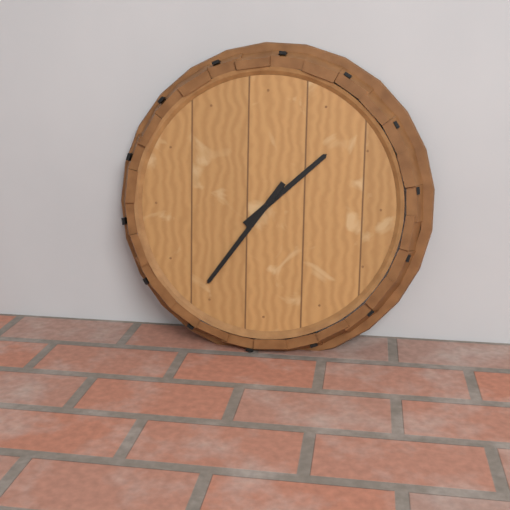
{"hour": 1, "minute": 36}
